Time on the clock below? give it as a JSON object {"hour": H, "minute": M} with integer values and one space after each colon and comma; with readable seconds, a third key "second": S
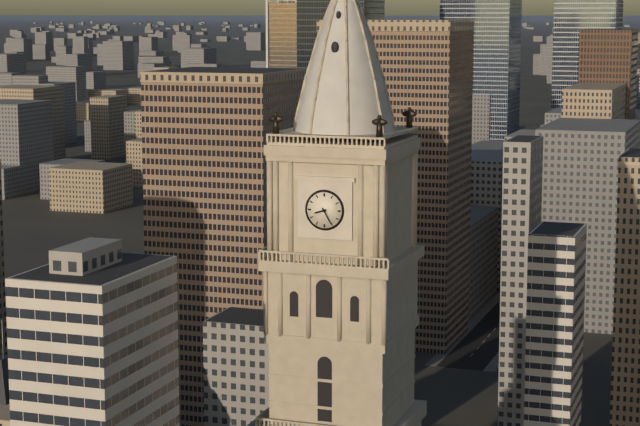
{"hour": 8, "minute": 25}
